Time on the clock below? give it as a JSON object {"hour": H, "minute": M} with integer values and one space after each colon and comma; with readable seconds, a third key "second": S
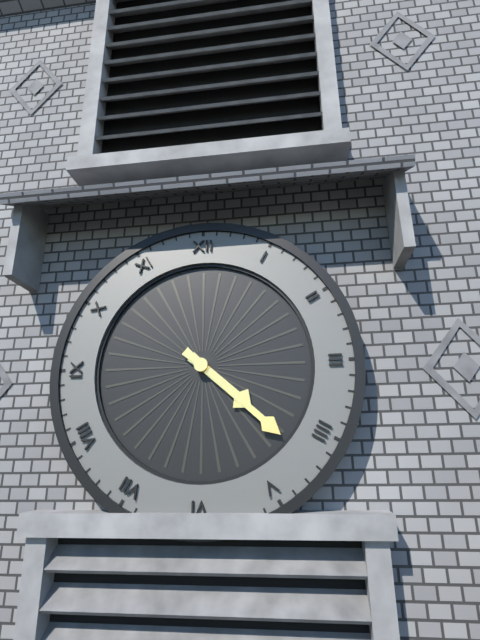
{"hour": 4, "minute": 22}
